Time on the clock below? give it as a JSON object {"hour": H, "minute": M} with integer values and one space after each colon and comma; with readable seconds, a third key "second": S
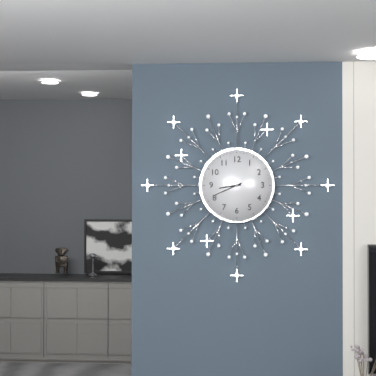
{"hour": 8, "minute": 41}
